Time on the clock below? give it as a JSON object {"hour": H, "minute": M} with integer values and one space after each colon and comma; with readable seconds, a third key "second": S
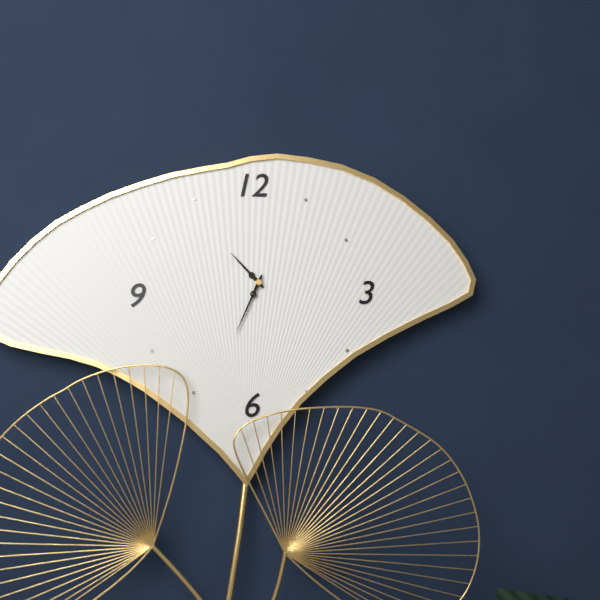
{"hour": 10, "minute": 34}
